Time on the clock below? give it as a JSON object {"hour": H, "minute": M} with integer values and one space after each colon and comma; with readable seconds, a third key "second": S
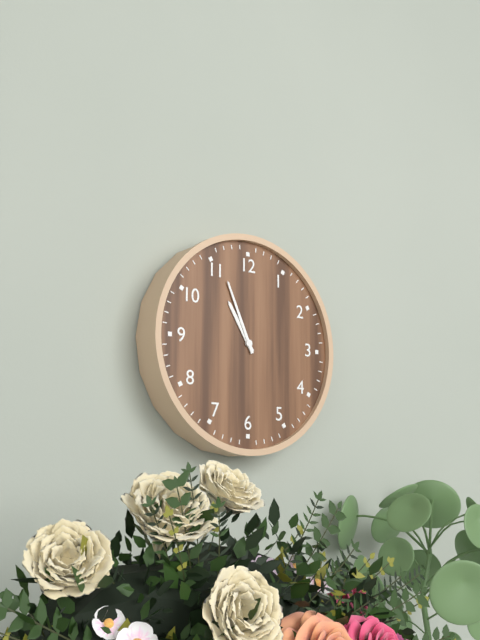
{"hour": 10, "minute": 56}
